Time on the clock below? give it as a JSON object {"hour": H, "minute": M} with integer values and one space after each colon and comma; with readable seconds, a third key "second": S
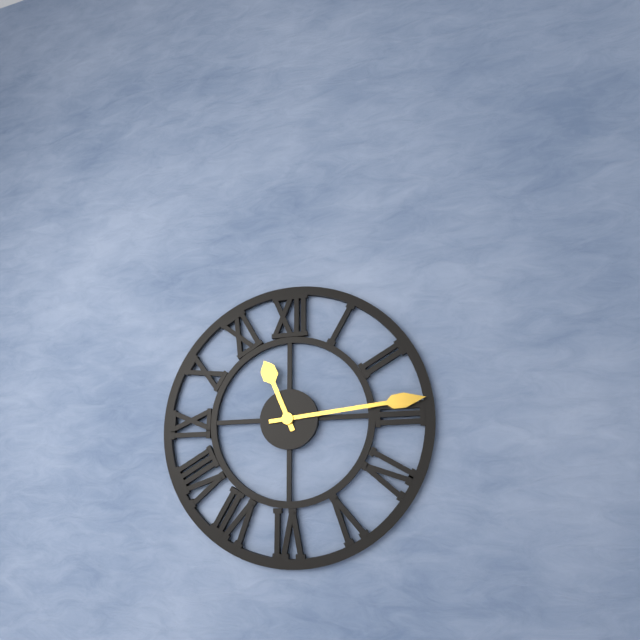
{"hour": 11, "minute": 14}
